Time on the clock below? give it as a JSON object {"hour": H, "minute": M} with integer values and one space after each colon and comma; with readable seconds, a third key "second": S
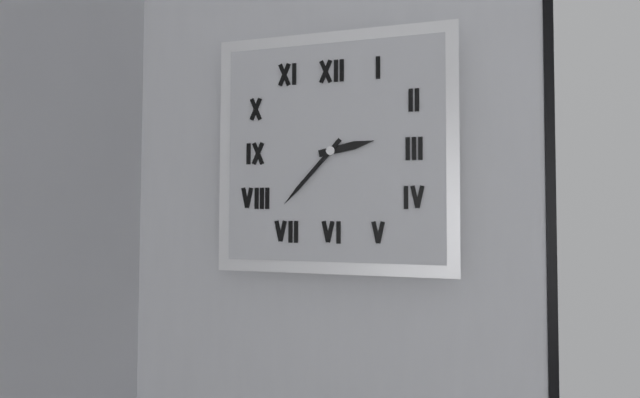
{"hour": 2, "minute": 37}
